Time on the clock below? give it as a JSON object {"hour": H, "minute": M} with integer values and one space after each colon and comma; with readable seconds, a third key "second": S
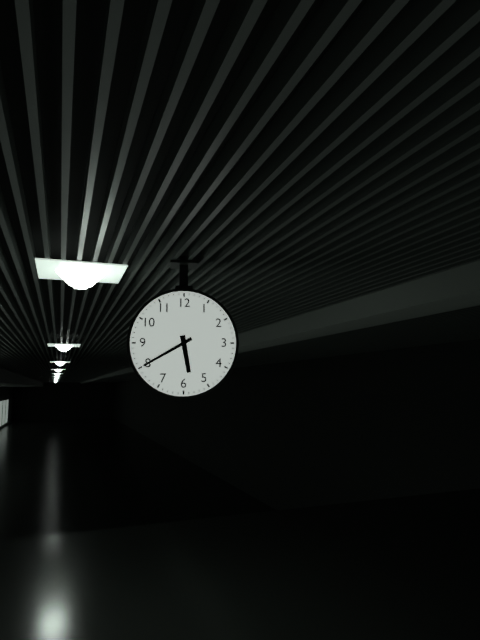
{"hour": 5, "minute": 40}
